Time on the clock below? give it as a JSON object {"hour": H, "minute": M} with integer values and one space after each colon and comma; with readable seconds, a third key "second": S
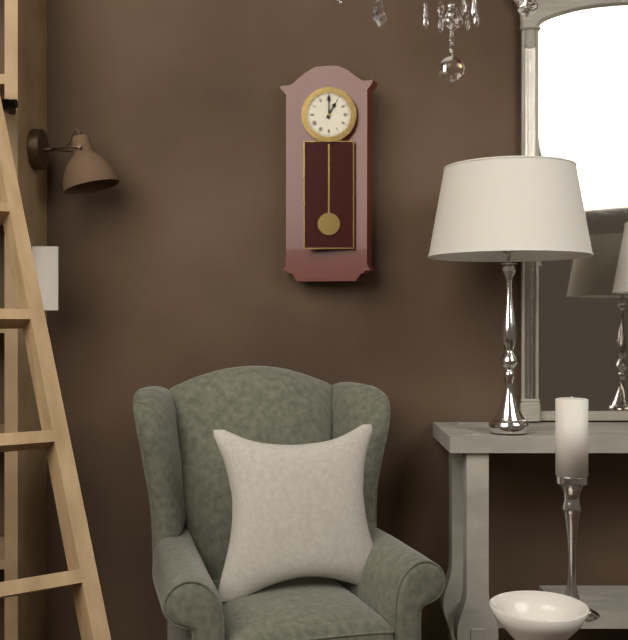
{"hour": 1, "minute": 0}
